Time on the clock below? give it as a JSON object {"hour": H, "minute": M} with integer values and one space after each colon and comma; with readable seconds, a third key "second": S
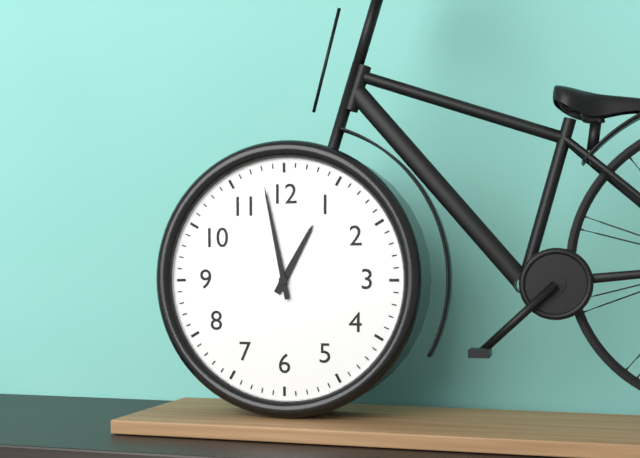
{"hour": 12, "minute": 58}
